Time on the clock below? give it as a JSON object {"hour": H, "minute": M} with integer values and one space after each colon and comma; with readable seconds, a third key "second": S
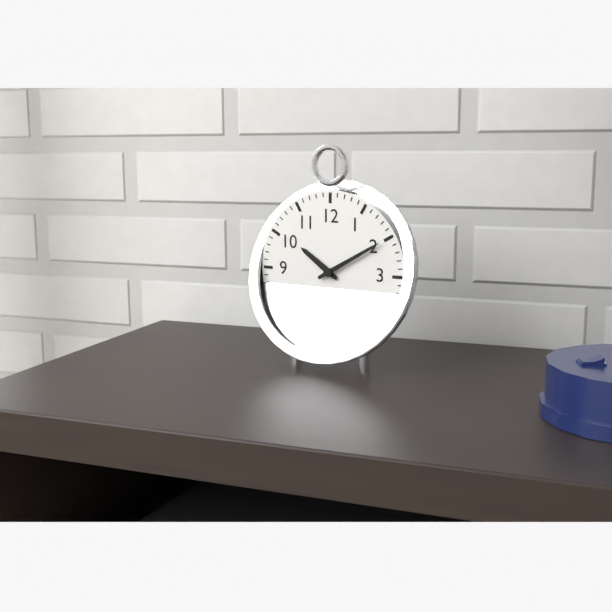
{"hour": 10, "minute": 10}
